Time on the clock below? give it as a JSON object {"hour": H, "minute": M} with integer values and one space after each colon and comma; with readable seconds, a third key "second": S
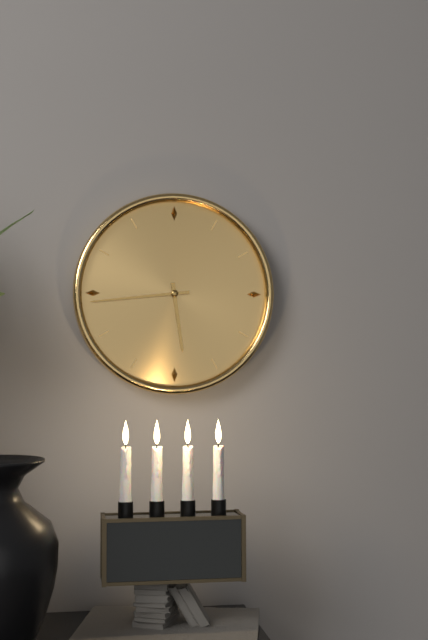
{"hour": 5, "minute": 44}
